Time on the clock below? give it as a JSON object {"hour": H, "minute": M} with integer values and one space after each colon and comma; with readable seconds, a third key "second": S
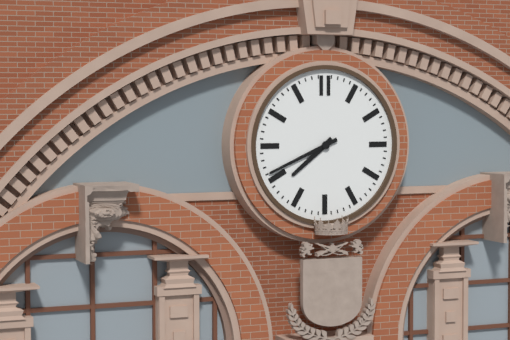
{"hour": 7, "minute": 41}
